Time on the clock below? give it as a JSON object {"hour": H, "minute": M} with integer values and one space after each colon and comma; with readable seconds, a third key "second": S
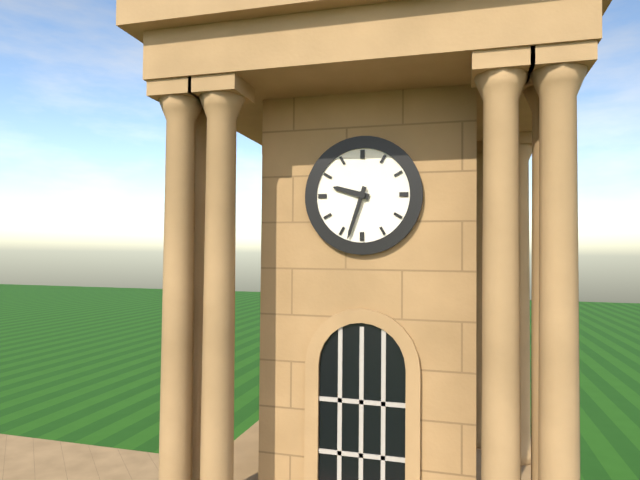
{"hour": 9, "minute": 33}
